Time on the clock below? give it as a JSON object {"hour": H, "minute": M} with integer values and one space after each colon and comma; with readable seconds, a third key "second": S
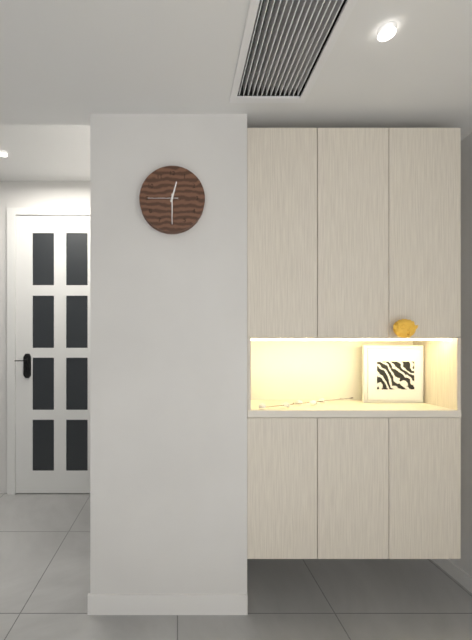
{"hour": 12, "minute": 30}
